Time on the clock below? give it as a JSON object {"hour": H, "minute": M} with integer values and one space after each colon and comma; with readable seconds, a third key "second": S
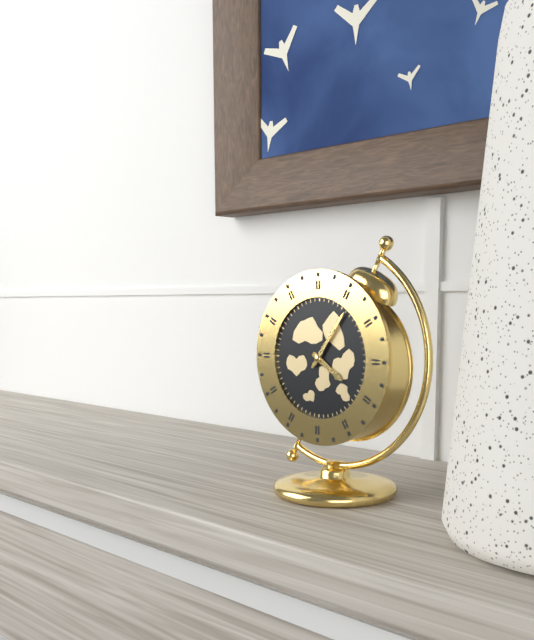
{"hour": 4, "minute": 6}
